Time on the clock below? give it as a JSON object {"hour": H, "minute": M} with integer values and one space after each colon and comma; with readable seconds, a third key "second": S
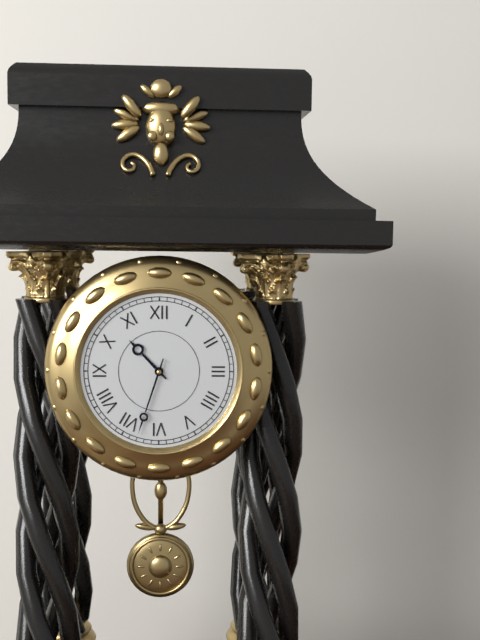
{"hour": 10, "minute": 33}
